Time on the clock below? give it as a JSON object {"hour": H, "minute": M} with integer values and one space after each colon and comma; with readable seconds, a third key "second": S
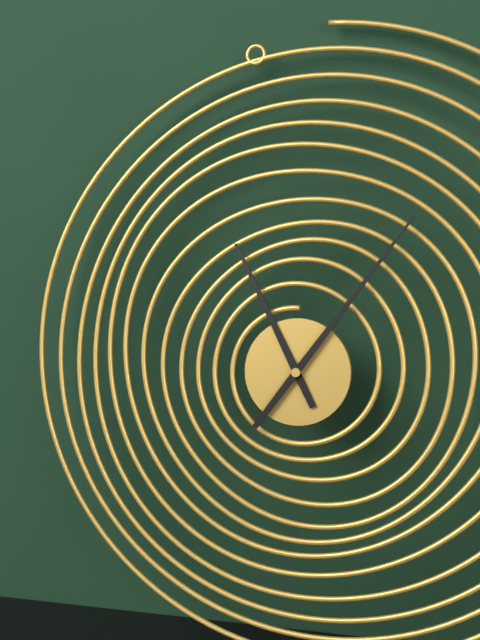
{"hour": 11, "minute": 6}
